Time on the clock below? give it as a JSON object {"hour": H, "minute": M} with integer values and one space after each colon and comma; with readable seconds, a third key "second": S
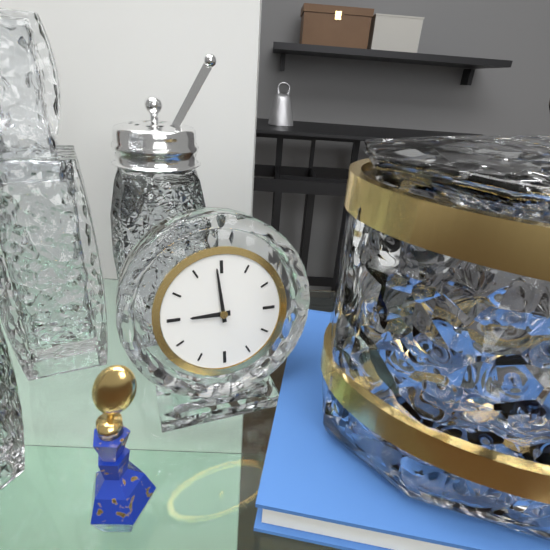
{"hour": 8, "minute": 59}
